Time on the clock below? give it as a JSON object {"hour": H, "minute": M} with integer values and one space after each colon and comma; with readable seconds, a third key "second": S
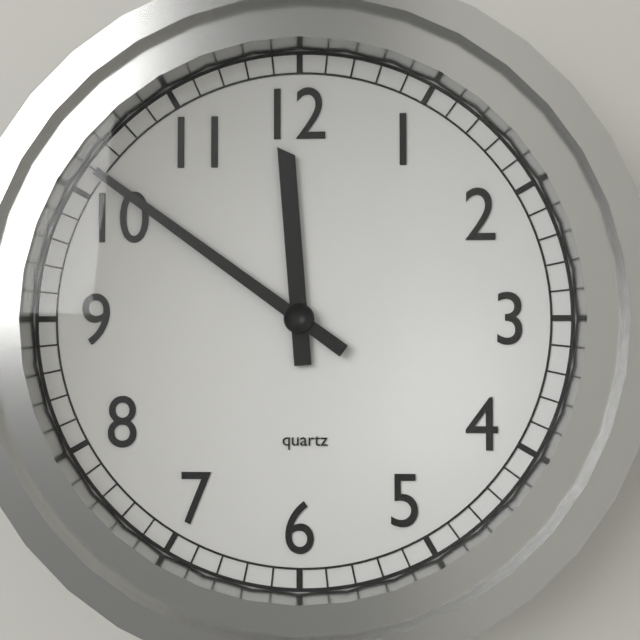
{"hour": 11, "minute": 51}
